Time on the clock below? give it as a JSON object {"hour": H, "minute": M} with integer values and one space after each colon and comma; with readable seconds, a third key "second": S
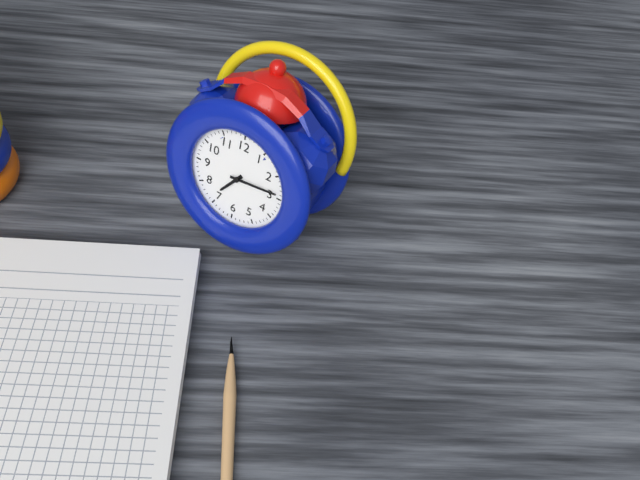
{"hour": 7, "minute": 14}
